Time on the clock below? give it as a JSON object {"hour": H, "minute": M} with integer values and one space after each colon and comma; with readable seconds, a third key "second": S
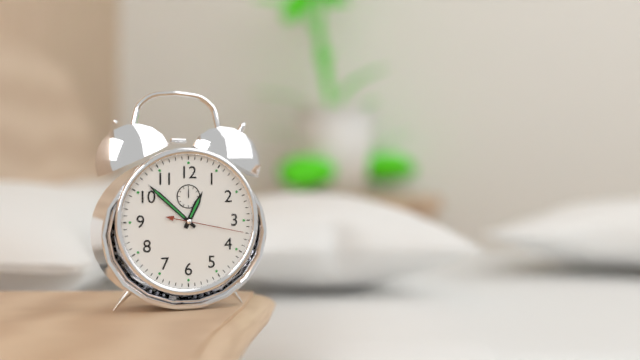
{"hour": 12, "minute": 52, "second": 17}
